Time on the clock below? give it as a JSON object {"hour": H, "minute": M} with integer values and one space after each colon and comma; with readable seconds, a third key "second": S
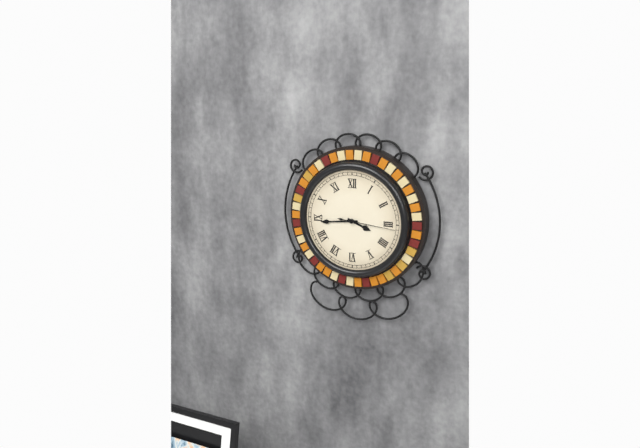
{"hour": 3, "minute": 44}
